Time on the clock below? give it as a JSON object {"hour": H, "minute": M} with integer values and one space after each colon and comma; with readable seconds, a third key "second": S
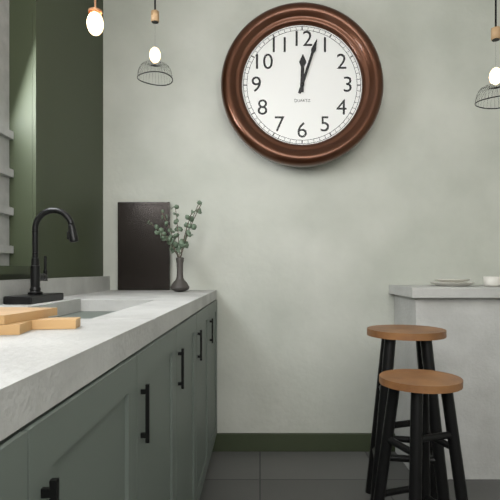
{"hour": 12, "minute": 3}
